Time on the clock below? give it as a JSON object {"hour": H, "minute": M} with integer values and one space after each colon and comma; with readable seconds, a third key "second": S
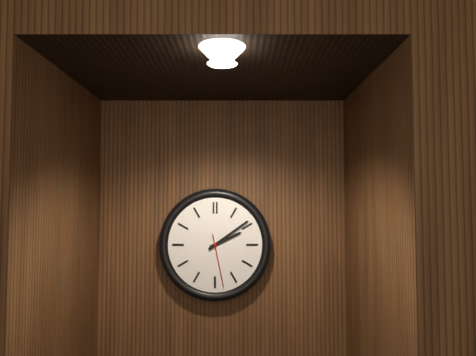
{"hour": 2, "minute": 9, "second": 28}
